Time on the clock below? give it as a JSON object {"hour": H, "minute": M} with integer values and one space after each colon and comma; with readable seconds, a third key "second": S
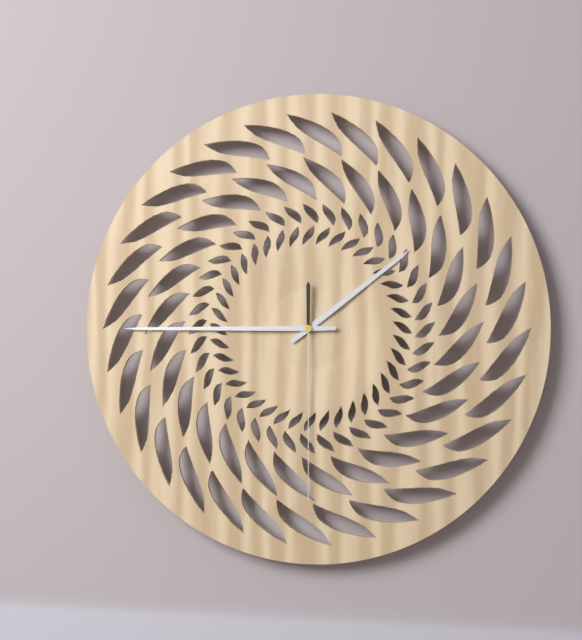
{"hour": 1, "minute": 45, "second": 30}
